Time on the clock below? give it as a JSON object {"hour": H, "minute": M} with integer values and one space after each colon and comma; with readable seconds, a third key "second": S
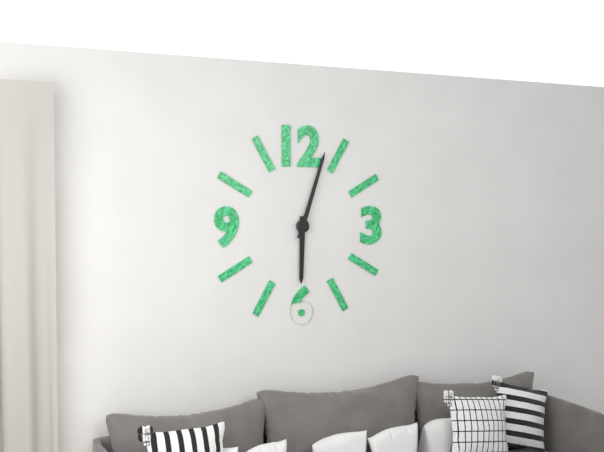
{"hour": 6, "minute": 3}
